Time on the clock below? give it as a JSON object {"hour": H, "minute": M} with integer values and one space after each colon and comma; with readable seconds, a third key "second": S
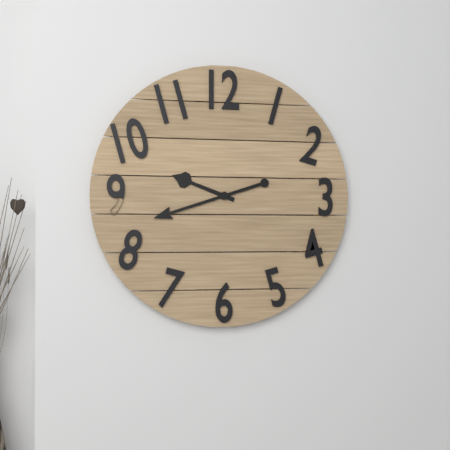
{"hour": 9, "minute": 42}
